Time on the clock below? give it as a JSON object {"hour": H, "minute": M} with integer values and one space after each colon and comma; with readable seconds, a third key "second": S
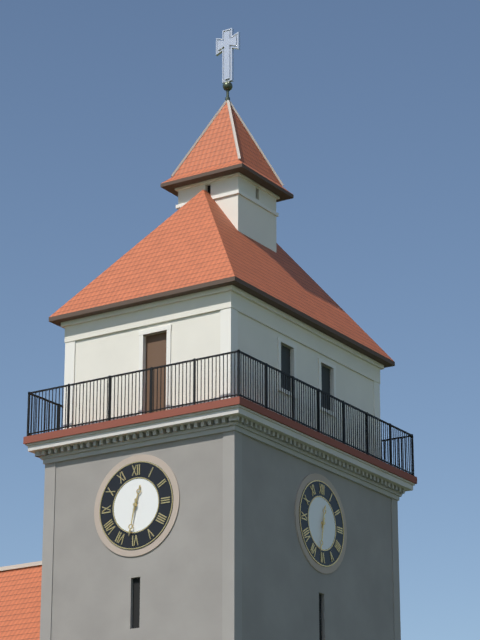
{"hour": 12, "minute": 32}
